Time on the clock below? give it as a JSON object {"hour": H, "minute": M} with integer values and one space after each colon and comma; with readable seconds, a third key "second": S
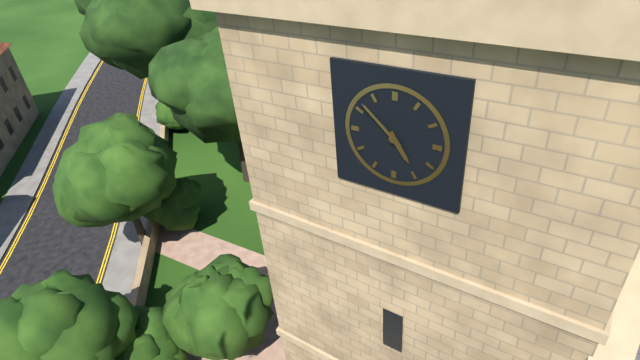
{"hour": 4, "minute": 52}
